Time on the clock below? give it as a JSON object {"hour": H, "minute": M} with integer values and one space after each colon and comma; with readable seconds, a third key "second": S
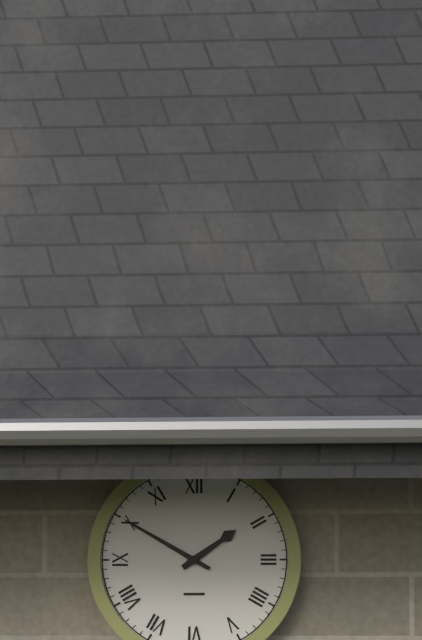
{"hour": 1, "minute": 50}
